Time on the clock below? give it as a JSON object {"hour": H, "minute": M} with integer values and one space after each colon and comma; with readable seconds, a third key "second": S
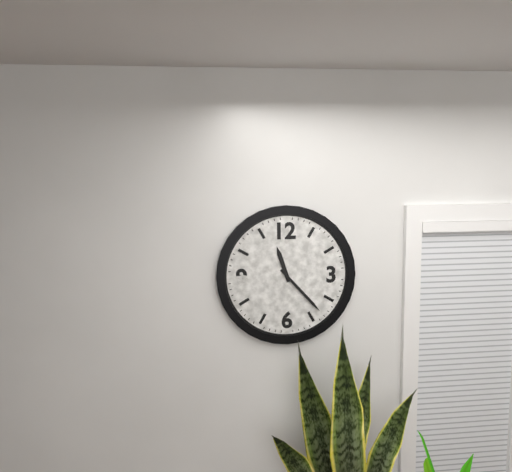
{"hour": 11, "minute": 23}
